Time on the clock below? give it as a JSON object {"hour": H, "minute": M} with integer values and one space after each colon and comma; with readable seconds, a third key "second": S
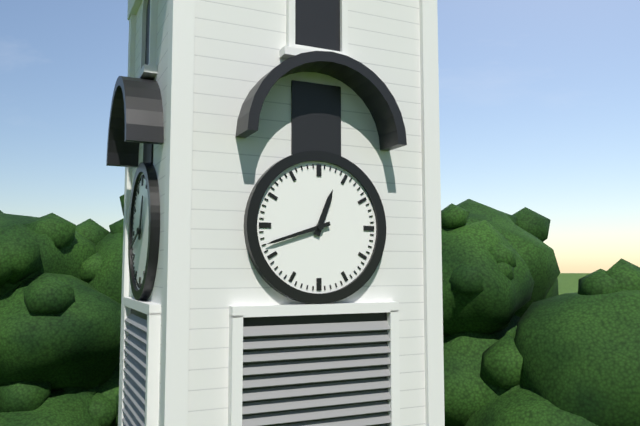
{"hour": 12, "minute": 42}
